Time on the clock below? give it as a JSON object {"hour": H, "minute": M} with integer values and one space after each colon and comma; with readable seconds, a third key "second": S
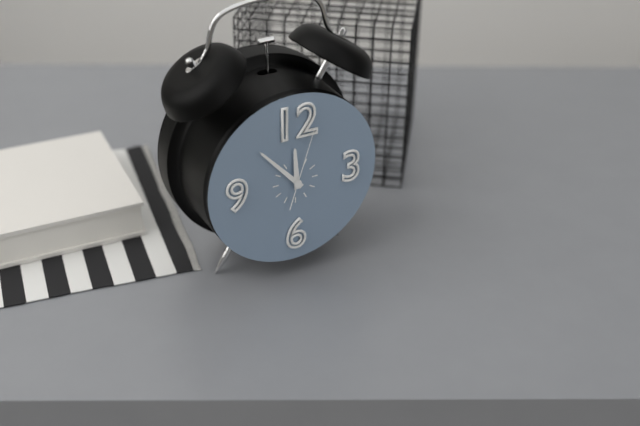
{"hour": 11, "minute": 53, "second": 3}
